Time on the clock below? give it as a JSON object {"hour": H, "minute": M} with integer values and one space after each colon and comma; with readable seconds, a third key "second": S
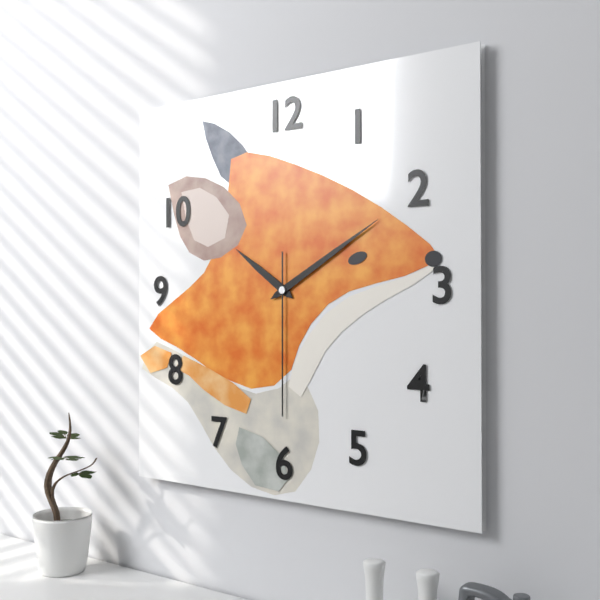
{"hour": 10, "minute": 10, "second": 30}
